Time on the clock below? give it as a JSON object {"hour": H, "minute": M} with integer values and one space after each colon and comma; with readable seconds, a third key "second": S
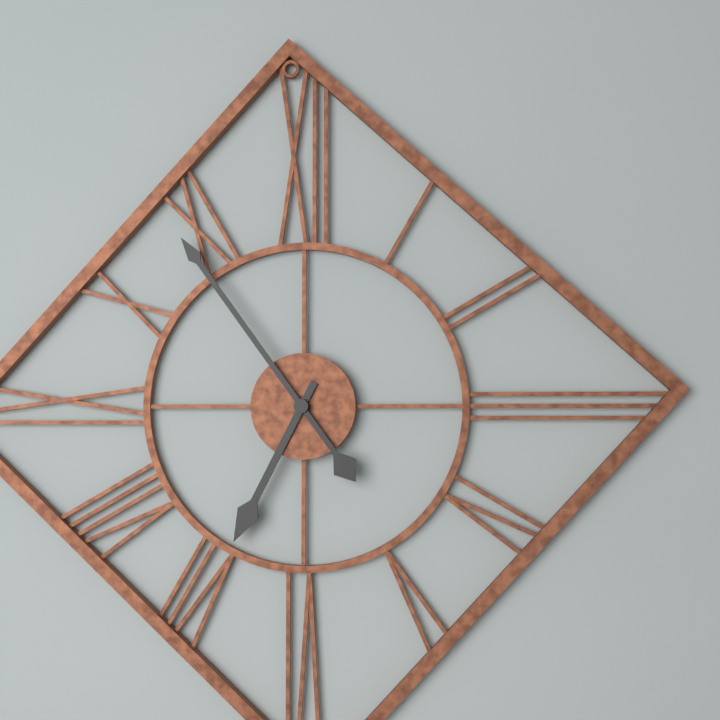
{"hour": 6, "minute": 54}
